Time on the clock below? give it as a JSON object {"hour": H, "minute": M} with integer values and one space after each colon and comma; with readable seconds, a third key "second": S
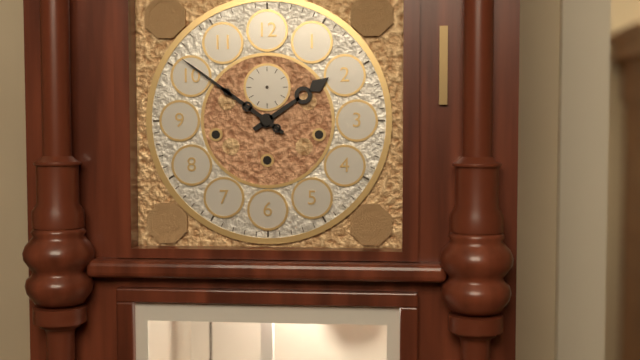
{"hour": 1, "minute": 51}
